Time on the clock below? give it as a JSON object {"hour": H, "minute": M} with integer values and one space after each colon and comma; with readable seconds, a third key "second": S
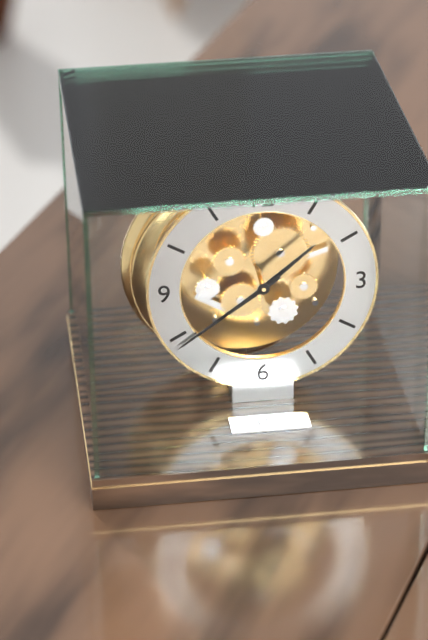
{"hour": 1, "minute": 39}
